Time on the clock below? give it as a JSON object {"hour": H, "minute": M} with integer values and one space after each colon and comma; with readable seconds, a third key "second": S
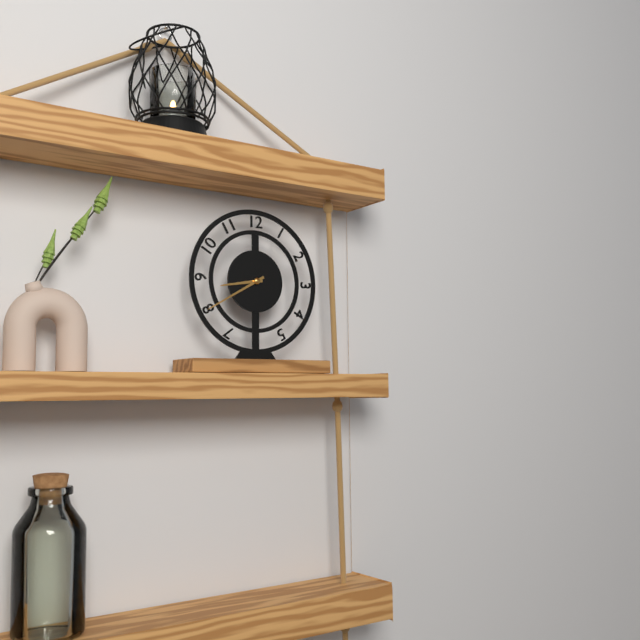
{"hour": 8, "minute": 40}
